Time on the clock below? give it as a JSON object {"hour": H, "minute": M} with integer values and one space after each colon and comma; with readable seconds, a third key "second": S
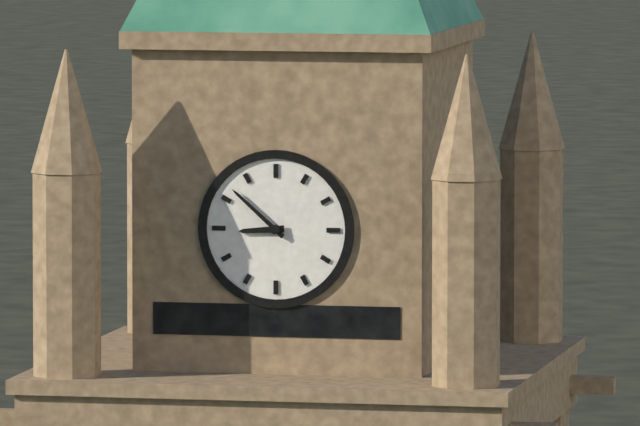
{"hour": 8, "minute": 52}
